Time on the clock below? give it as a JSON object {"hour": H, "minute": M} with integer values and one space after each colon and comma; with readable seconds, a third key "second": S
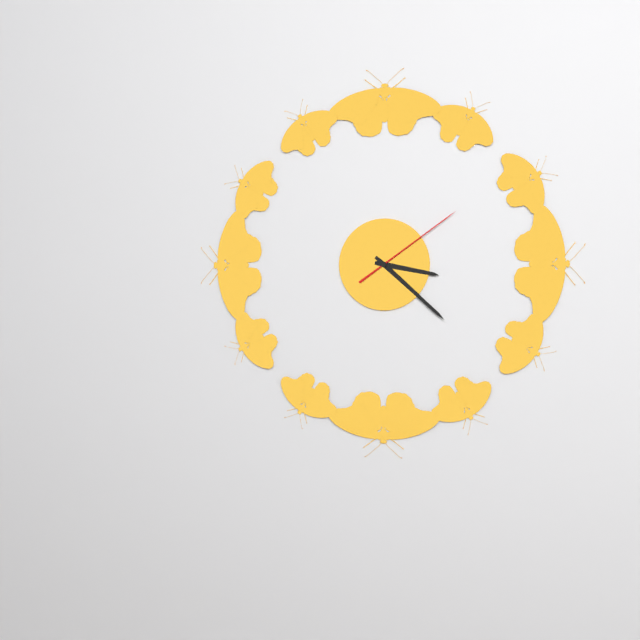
{"hour": 3, "minute": 22, "second": 9}
